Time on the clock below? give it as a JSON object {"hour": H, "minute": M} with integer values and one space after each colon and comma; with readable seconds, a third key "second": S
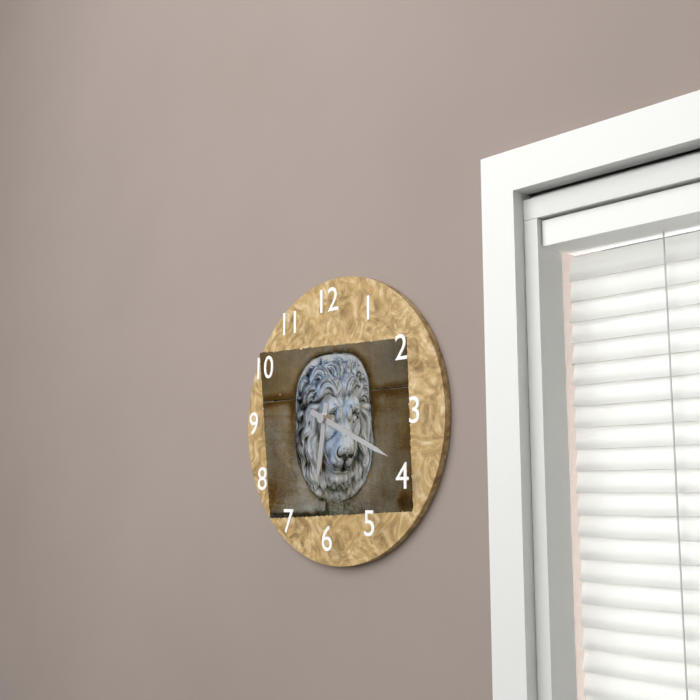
{"hour": 6, "minute": 19}
